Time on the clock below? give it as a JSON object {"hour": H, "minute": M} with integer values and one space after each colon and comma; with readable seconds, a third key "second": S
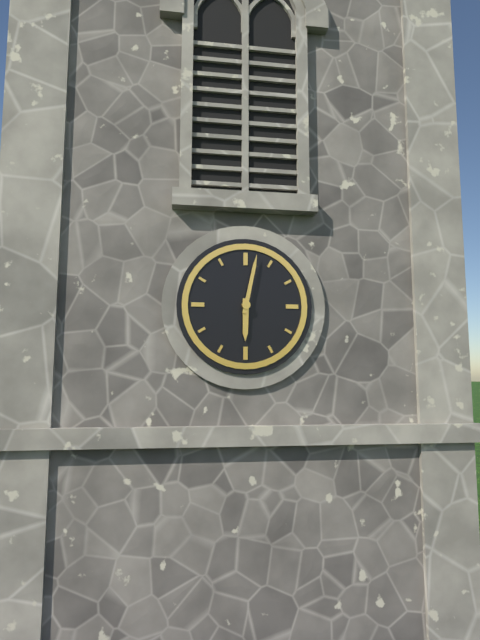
{"hour": 6, "minute": 2}
